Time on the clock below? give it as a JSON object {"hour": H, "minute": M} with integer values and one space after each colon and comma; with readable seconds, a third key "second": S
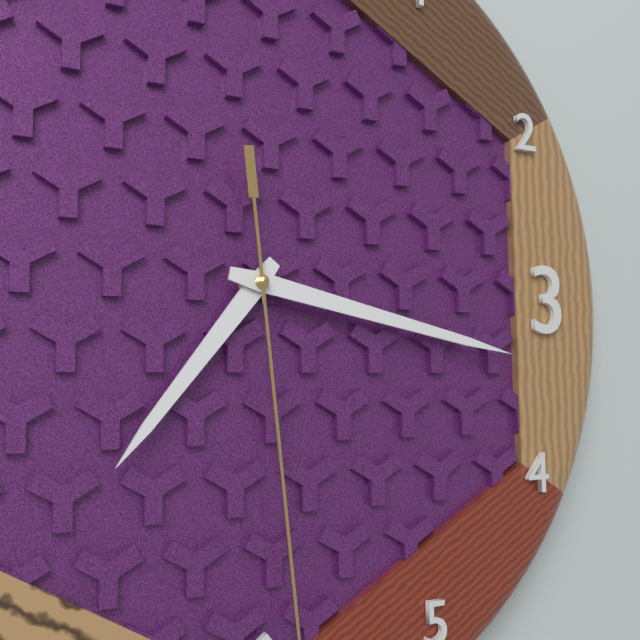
{"hour": 7, "minute": 17}
